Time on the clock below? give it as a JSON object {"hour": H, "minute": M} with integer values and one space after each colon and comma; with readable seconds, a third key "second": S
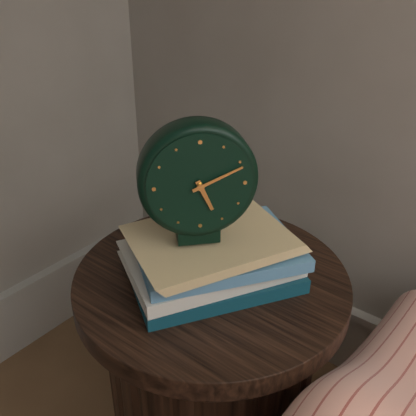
{"hour": 5, "minute": 11}
